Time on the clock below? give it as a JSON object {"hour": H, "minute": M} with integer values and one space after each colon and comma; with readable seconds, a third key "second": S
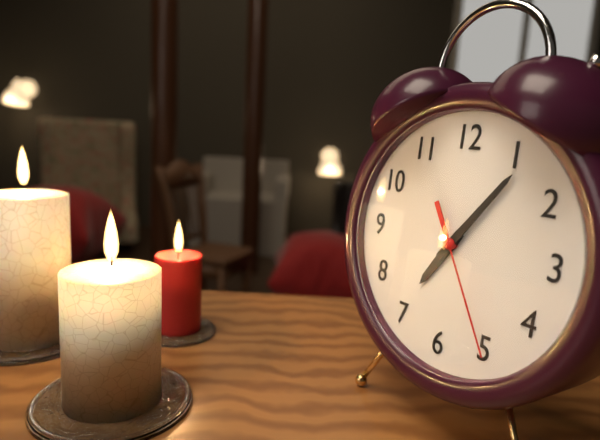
{"hour": 7, "minute": 6, "second": 25}
